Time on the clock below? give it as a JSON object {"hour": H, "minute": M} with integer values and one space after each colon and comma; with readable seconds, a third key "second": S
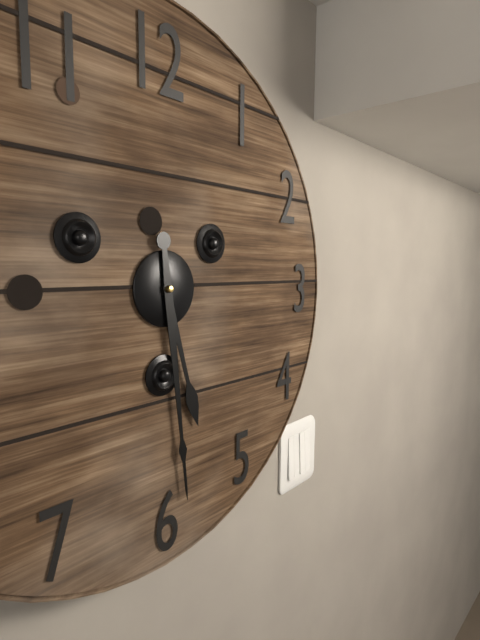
{"hour": 5, "minute": 29}
